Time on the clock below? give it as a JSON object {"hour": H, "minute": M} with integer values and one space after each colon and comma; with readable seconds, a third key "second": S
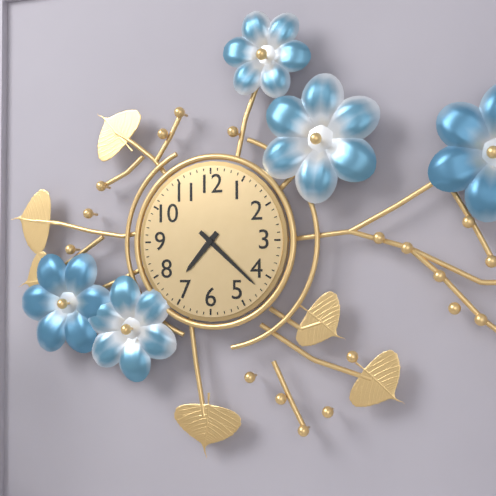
{"hour": 7, "minute": 22}
